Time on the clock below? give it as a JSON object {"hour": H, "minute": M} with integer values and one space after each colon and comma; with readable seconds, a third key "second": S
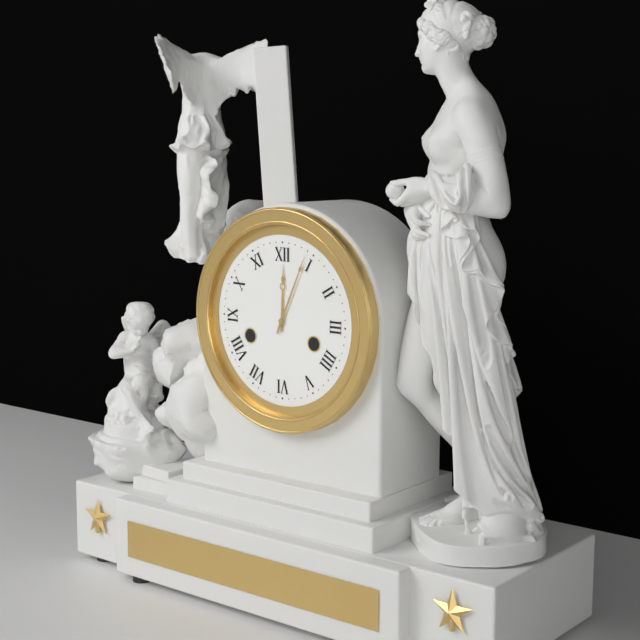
{"hour": 12, "minute": 4}
